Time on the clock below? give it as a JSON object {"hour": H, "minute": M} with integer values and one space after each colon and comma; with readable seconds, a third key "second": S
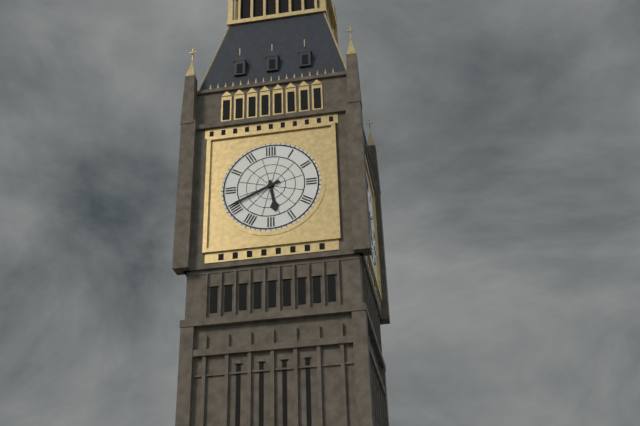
{"hour": 5, "minute": 41}
